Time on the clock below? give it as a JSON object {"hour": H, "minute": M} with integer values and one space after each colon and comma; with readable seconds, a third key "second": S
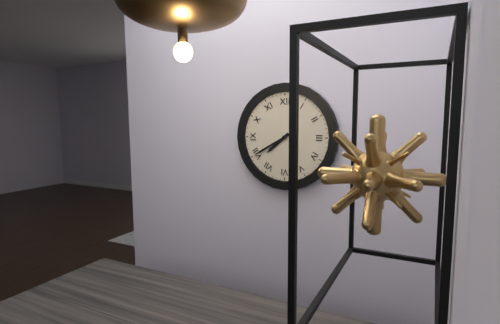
{"hour": 7, "minute": 40}
